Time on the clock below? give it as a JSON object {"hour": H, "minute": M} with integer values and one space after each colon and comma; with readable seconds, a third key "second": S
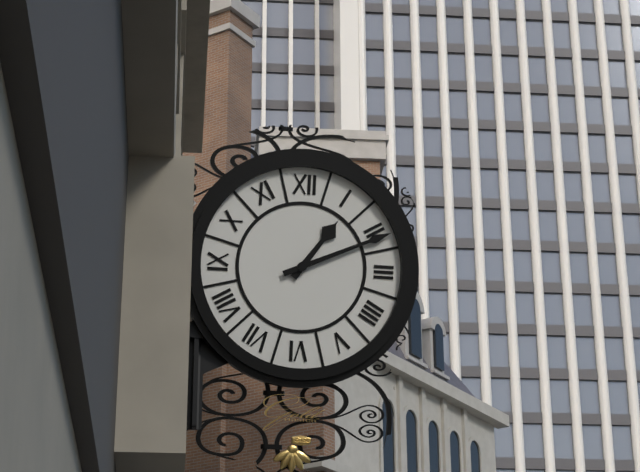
{"hour": 1, "minute": 11}
